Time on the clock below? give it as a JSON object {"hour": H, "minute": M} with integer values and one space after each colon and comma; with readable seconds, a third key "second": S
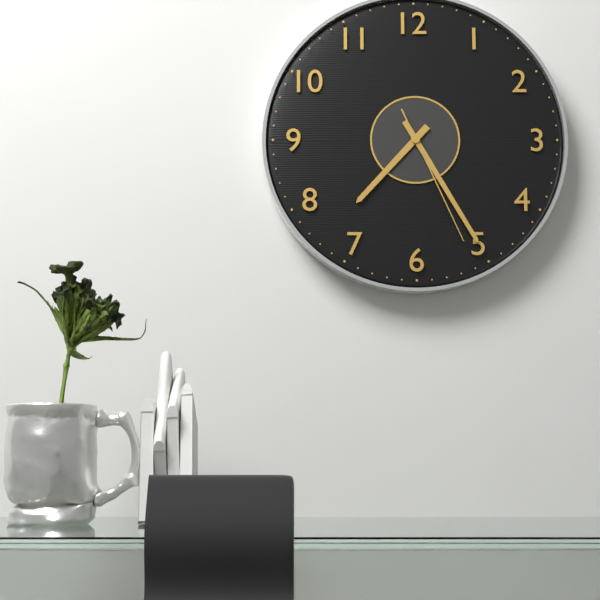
{"hour": 7, "minute": 25, "second": 26}
